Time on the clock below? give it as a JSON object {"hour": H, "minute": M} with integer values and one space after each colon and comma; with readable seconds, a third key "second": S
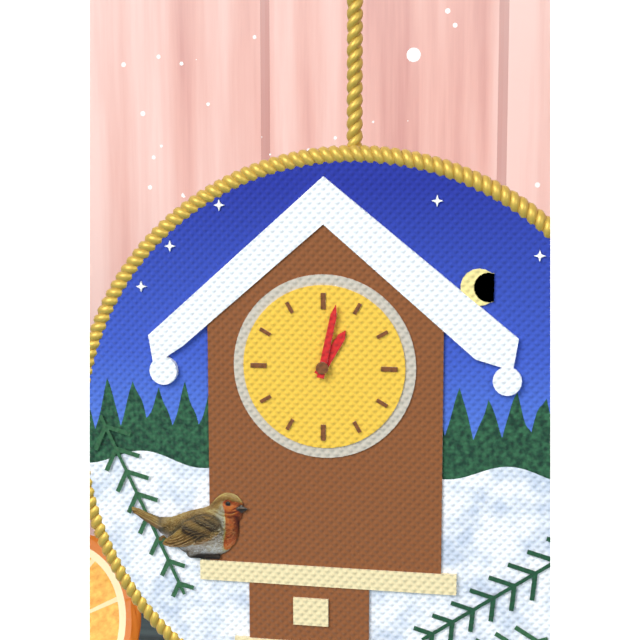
{"hour": 1, "minute": 2}
